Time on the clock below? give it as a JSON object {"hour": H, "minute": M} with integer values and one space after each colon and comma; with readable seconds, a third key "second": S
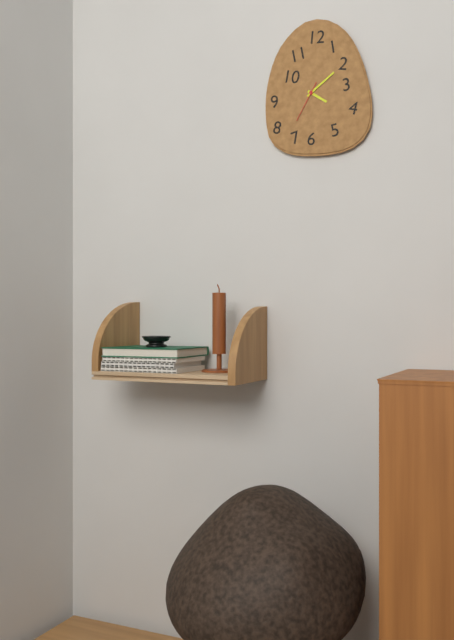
{"hour": 4, "minute": 9}
